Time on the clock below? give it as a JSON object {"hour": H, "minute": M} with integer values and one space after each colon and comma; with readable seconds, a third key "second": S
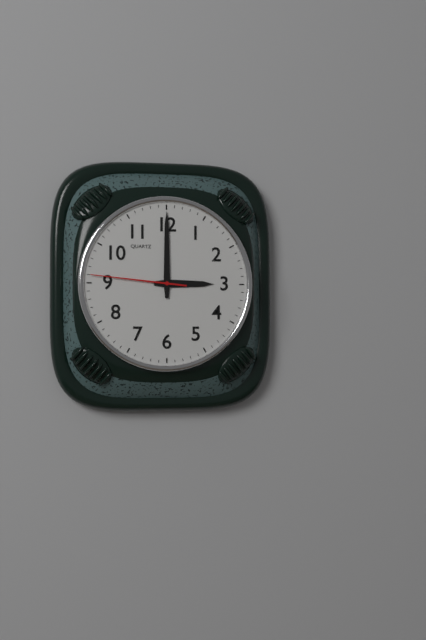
{"hour": 3, "minute": 0, "second": 46}
